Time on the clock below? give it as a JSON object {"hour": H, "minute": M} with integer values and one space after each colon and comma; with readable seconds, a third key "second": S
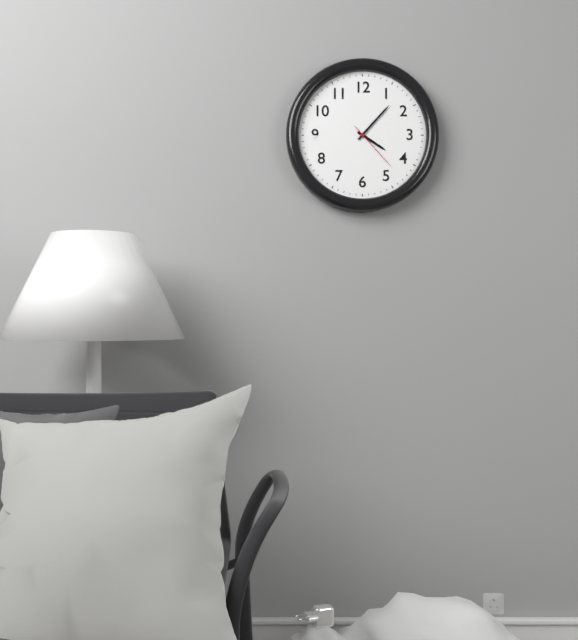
{"hour": 4, "minute": 7, "second": 23}
